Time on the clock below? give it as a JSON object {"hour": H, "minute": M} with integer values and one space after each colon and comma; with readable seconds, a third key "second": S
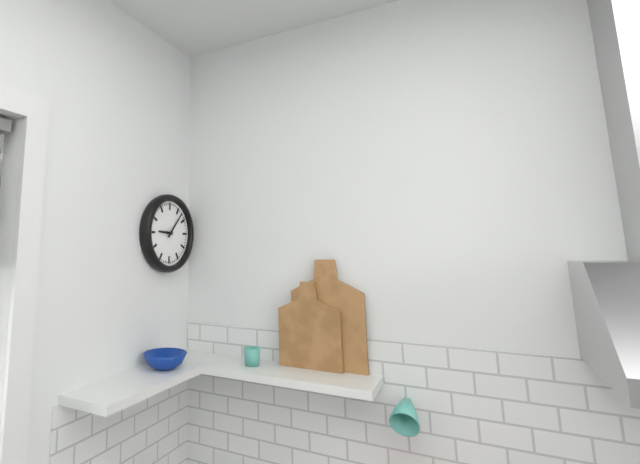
{"hour": 9, "minute": 7}
